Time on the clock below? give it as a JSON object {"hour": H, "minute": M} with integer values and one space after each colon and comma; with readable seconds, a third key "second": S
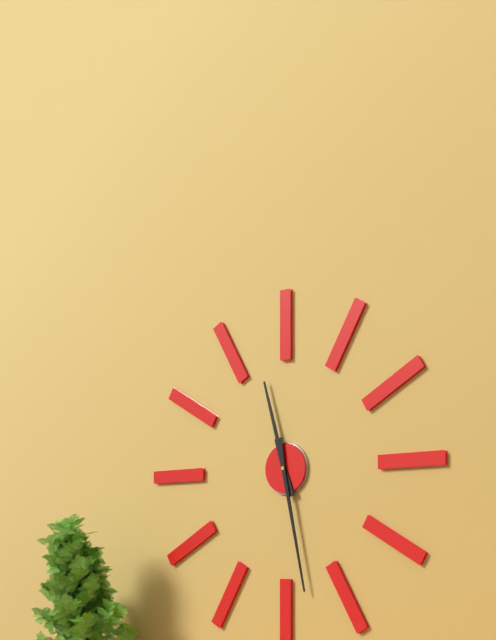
{"hour": 11, "minute": 28}
